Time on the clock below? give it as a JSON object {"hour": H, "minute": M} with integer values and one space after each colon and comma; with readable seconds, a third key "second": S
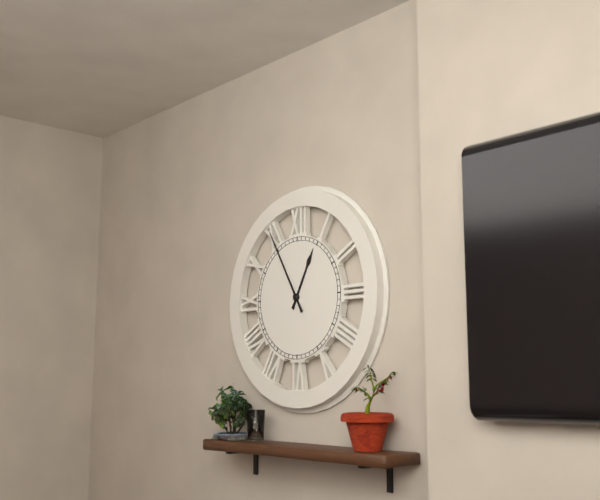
{"hour": 12, "minute": 55}
